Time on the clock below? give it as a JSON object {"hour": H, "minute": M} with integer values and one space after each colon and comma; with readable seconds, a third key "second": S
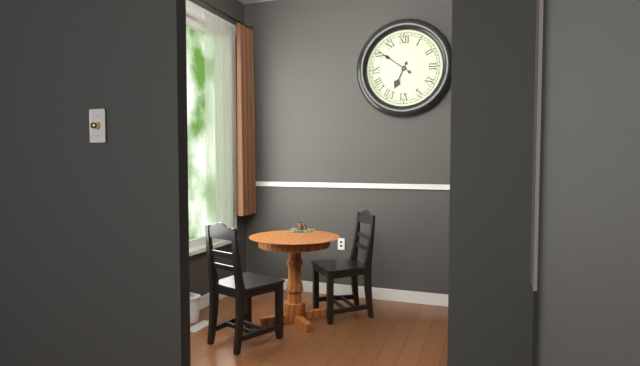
{"hour": 6, "minute": 51}
